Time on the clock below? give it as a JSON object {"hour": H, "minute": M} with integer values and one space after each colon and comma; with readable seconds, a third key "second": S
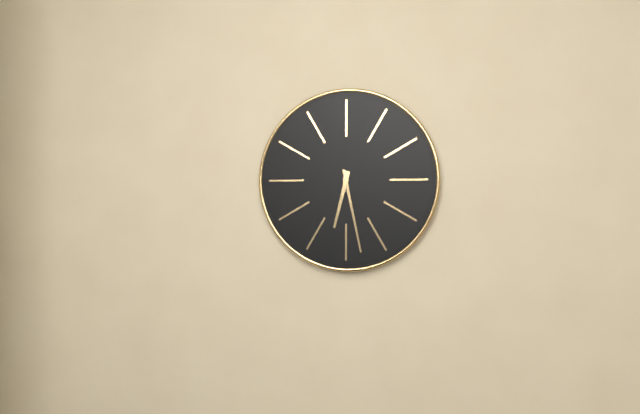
{"hour": 6, "minute": 28}
